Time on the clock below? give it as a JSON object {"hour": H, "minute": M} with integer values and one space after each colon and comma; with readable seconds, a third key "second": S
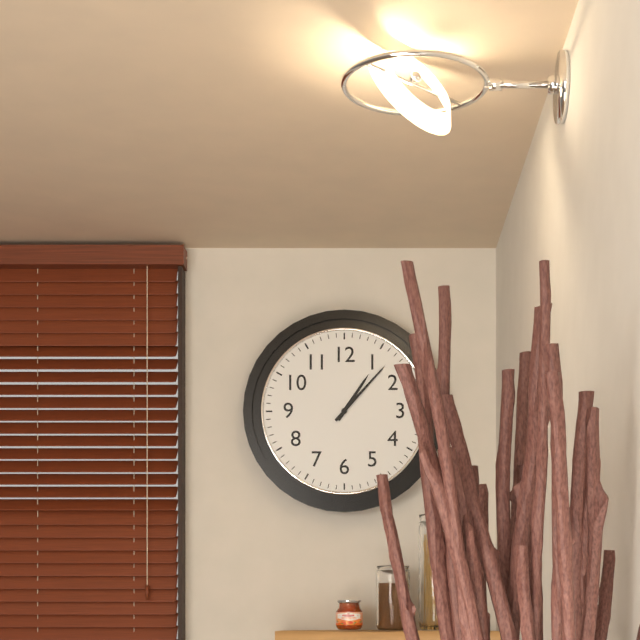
{"hour": 1, "minute": 7}
